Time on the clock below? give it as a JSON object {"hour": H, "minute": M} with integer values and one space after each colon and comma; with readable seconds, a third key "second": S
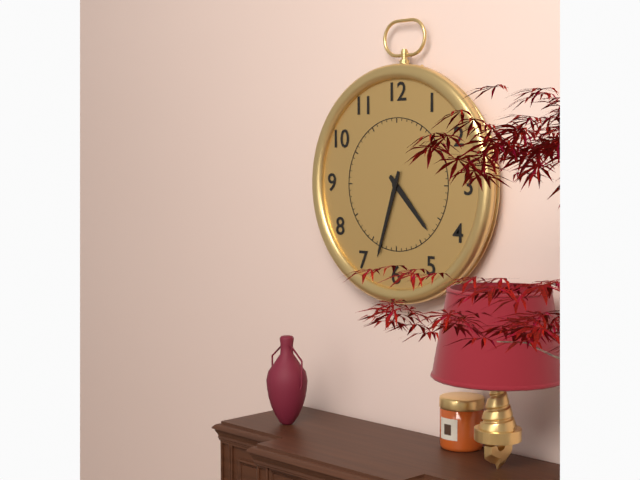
{"hour": 4, "minute": 33}
